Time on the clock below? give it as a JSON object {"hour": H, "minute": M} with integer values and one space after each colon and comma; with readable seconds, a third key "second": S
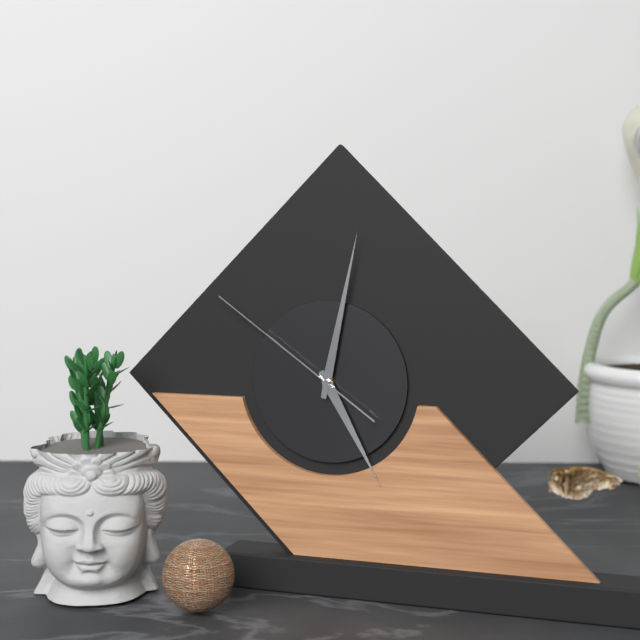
{"hour": 5, "minute": 2, "second": 51}
